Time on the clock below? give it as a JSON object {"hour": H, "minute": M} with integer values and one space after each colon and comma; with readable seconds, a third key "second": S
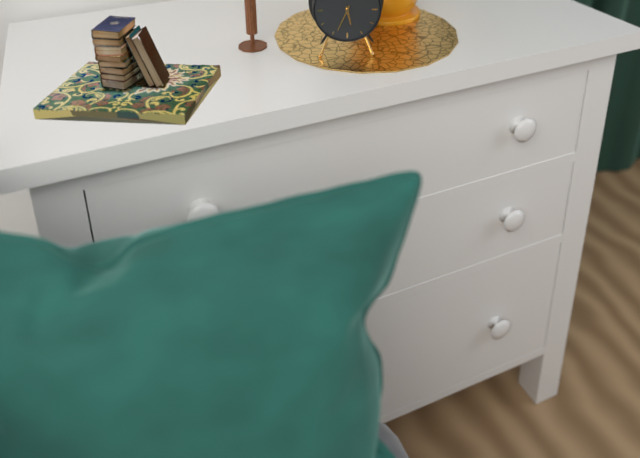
{"hour": 5, "minute": 34}
